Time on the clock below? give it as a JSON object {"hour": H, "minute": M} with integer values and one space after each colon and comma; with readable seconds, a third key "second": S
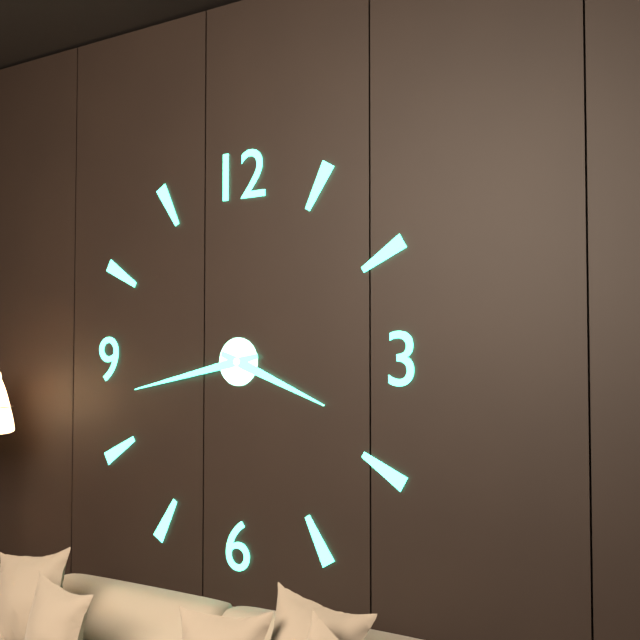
{"hour": 3, "minute": 43}
